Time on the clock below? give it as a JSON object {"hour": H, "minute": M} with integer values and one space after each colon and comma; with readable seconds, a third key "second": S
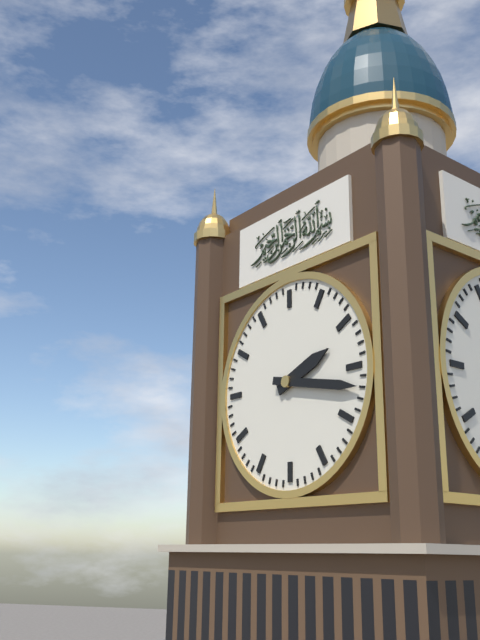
{"hour": 2, "minute": 17}
